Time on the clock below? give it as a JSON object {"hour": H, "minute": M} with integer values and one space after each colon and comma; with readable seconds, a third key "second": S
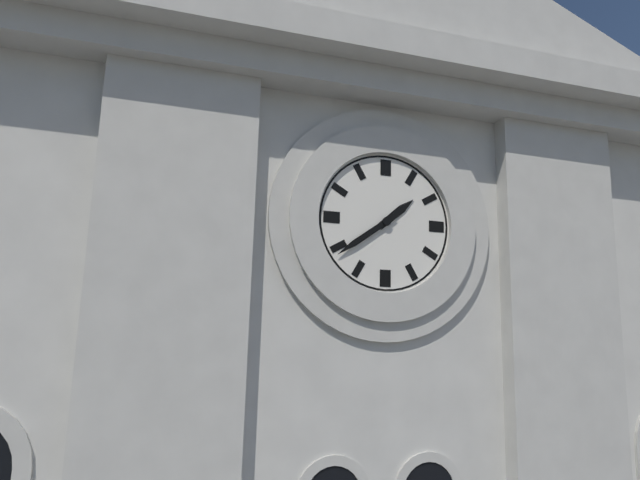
{"hour": 1, "minute": 39}
